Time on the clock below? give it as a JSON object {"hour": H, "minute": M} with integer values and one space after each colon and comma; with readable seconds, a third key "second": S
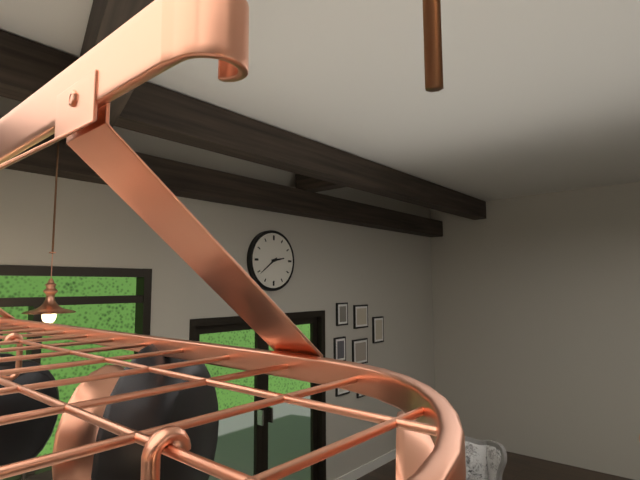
{"hour": 2, "minute": 39}
